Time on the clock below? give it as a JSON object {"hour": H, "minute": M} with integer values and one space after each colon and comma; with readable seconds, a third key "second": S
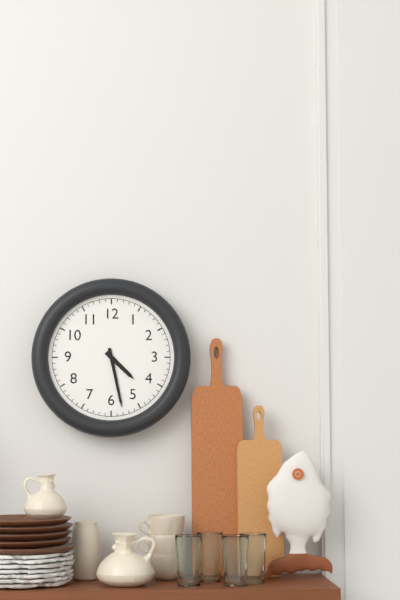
{"hour": 4, "minute": 28}
